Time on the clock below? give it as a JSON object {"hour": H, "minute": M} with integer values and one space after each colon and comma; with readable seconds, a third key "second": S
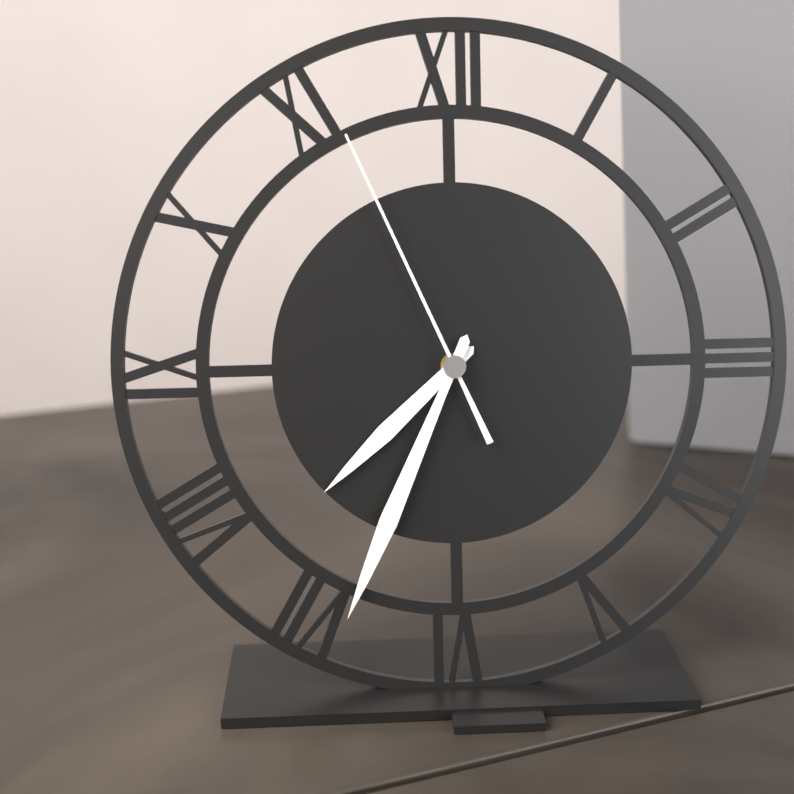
{"hour": 7, "minute": 34, "second": 56}
